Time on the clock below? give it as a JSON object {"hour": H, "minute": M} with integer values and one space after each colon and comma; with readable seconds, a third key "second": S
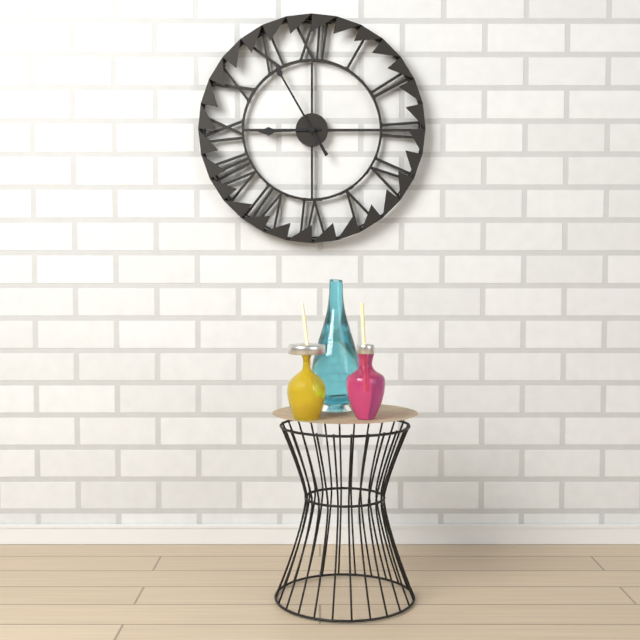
{"hour": 8, "minute": 55}
